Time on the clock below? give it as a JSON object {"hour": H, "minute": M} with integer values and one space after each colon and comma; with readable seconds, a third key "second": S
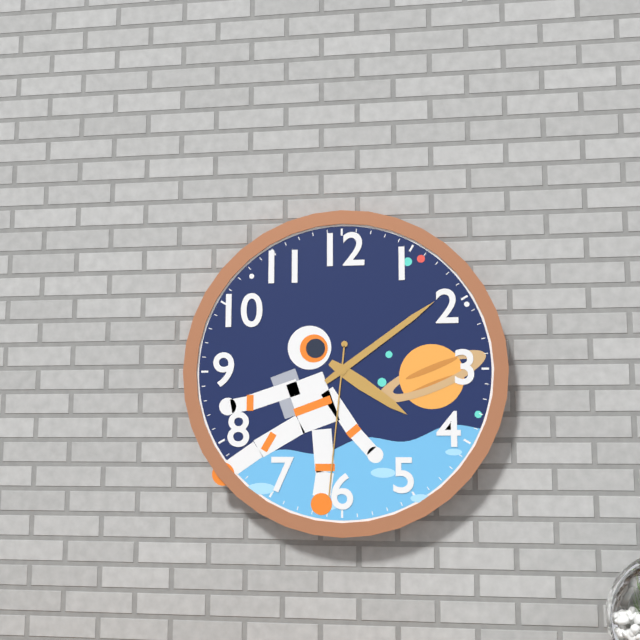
{"hour": 4, "minute": 9, "second": 31}
